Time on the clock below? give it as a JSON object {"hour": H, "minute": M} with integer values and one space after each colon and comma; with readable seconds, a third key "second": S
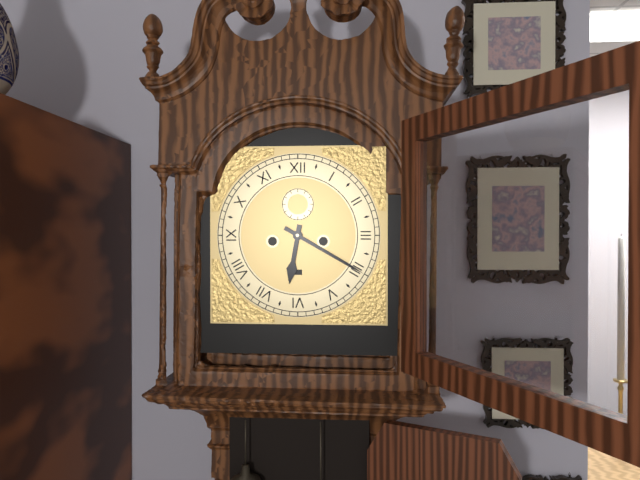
{"hour": 6, "minute": 20}
